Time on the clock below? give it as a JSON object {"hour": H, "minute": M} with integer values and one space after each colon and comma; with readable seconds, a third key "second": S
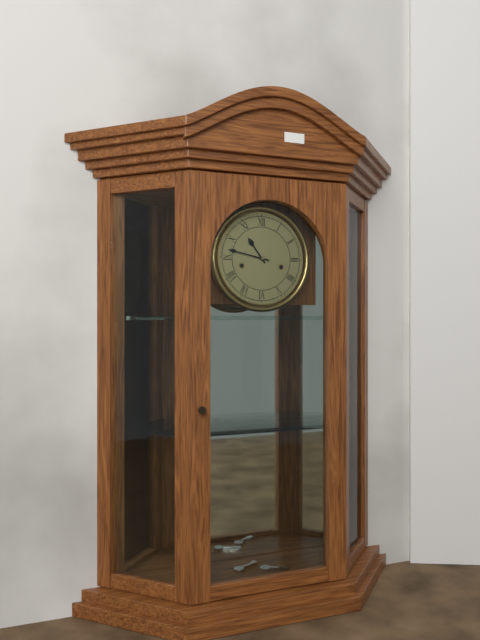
{"hour": 10, "minute": 47}
